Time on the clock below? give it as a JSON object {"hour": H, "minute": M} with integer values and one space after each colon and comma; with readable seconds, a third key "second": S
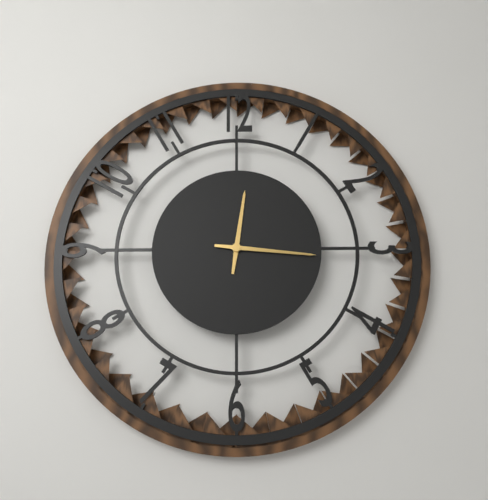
{"hour": 12, "minute": 16}
